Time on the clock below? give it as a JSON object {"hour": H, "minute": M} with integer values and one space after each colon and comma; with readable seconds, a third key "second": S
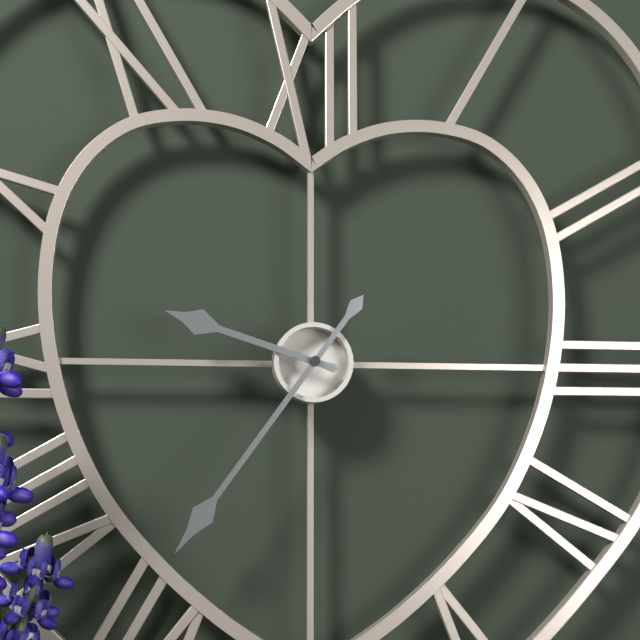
{"hour": 9, "minute": 36}
